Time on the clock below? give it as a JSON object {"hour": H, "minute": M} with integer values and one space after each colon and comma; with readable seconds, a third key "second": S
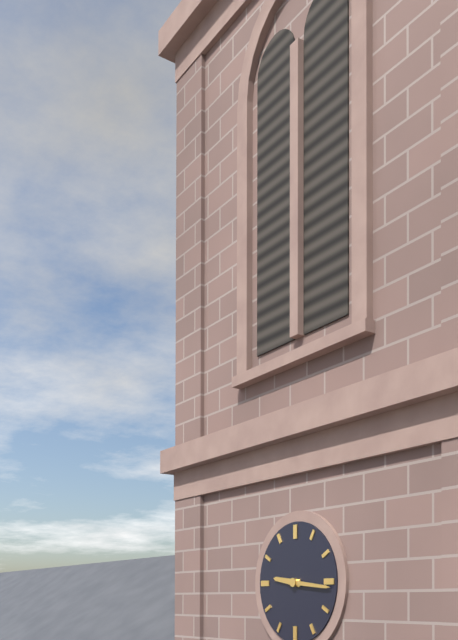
{"hour": 9, "minute": 16}
